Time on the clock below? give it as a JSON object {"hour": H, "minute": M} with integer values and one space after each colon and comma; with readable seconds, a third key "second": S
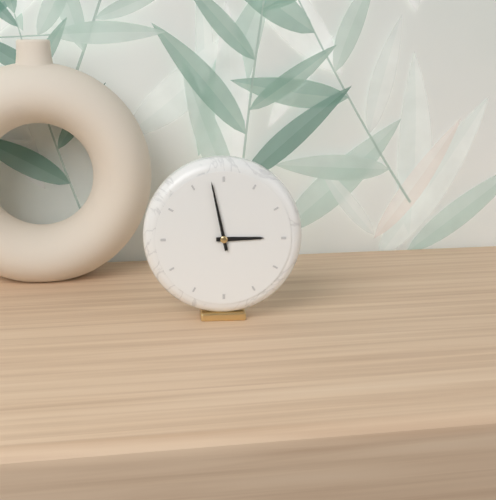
{"hour": 2, "minute": 58}
